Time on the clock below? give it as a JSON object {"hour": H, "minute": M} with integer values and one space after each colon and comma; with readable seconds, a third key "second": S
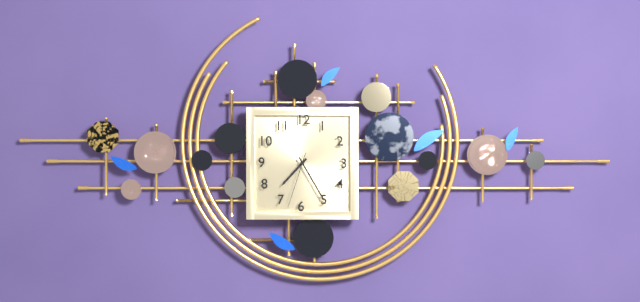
{"hour": 7, "minute": 25, "second": 33}
